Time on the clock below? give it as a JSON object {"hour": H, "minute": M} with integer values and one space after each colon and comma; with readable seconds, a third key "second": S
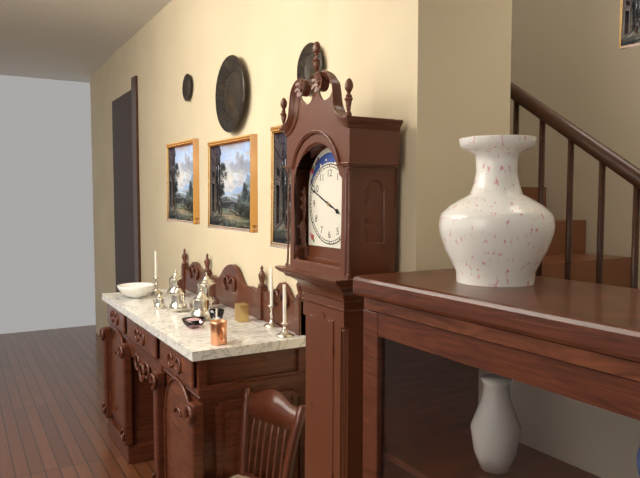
{"hour": 3, "minute": 49}
